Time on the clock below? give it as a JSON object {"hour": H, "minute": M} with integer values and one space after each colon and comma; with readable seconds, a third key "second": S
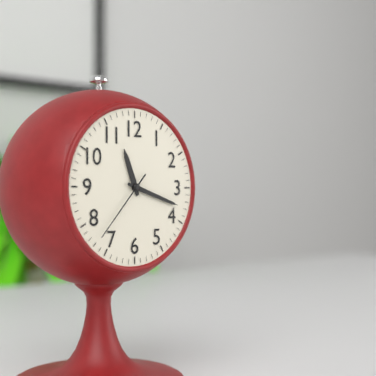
{"hour": 11, "minute": 18, "second": 37}
